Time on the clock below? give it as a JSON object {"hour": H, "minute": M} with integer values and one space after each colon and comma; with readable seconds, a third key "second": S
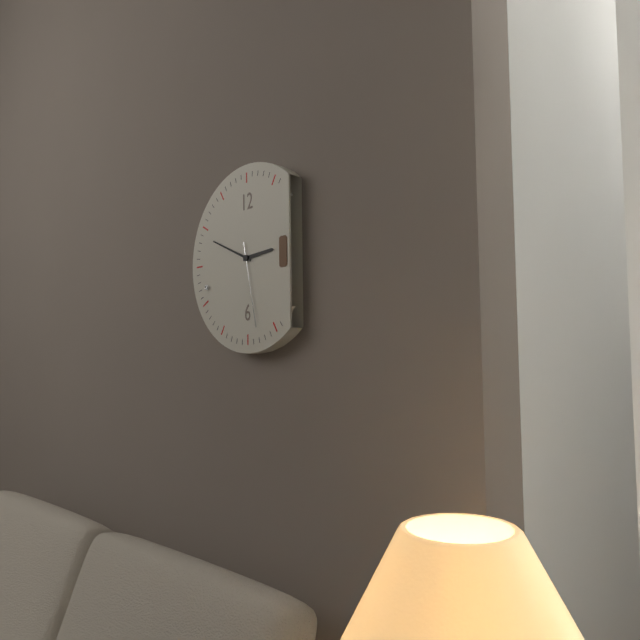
{"hour": 2, "minute": 49, "second": 28}
